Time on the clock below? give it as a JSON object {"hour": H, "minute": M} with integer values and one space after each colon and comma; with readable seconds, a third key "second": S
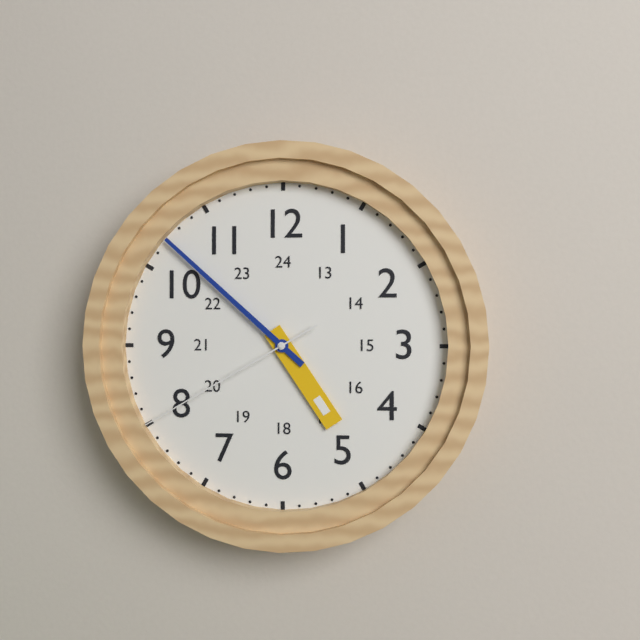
{"hour": 4, "minute": 52, "second": 40}
